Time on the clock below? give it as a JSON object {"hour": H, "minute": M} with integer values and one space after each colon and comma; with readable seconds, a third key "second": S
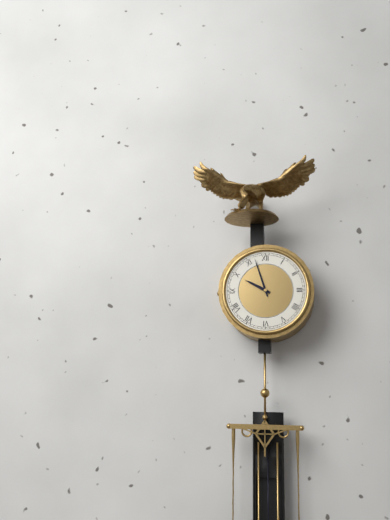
{"hour": 9, "minute": 57}
